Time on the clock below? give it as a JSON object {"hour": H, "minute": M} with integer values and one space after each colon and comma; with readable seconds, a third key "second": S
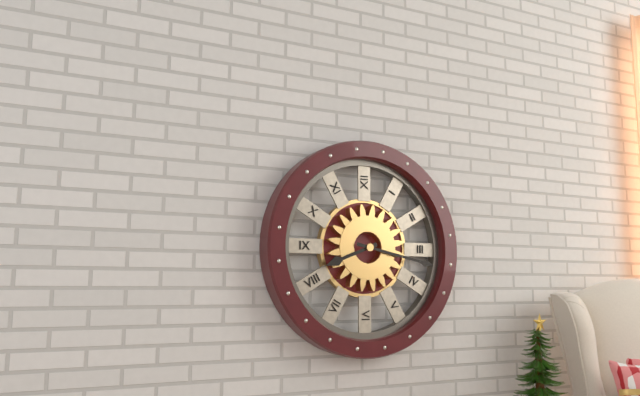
{"hour": 8, "minute": 17}
